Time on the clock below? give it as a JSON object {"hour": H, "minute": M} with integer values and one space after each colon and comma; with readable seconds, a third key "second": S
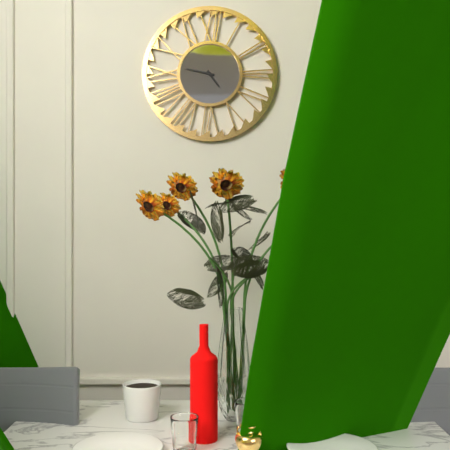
{"hour": 4, "minute": 47}
